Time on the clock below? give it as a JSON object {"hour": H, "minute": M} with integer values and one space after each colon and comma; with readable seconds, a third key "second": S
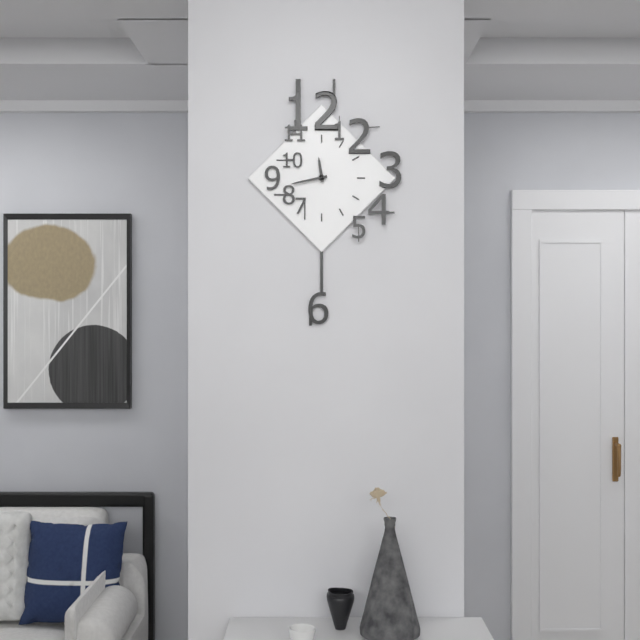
{"hour": 11, "minute": 43}
